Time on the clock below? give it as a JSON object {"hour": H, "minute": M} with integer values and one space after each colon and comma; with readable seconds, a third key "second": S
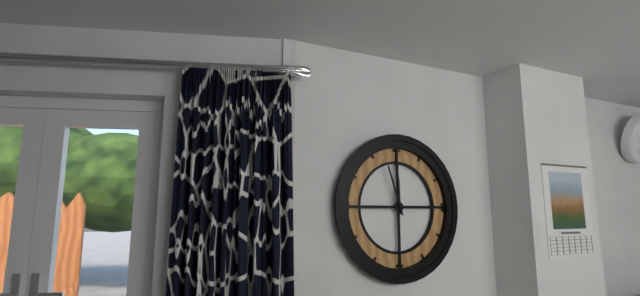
{"hour": 11, "minute": 57}
